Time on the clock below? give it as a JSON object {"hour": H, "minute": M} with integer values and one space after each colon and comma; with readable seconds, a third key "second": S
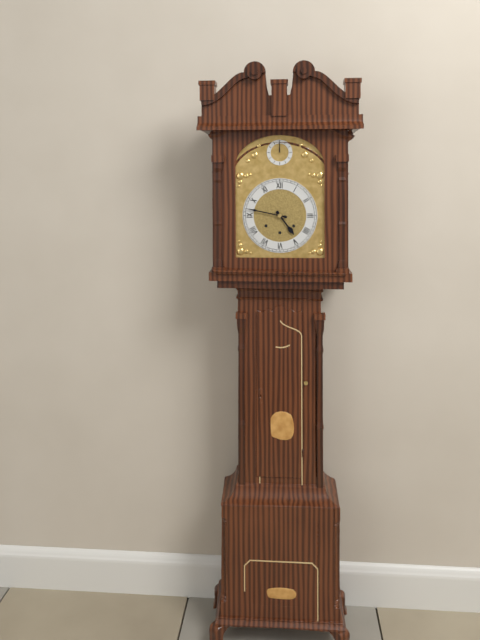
{"hour": 4, "minute": 47}
